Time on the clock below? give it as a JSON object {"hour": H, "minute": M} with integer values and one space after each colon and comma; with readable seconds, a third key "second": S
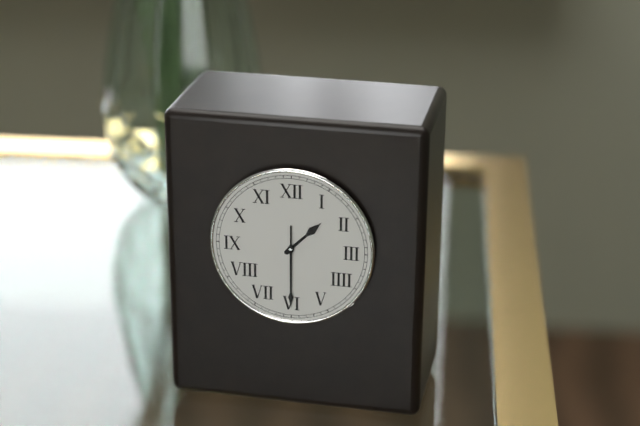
{"hour": 1, "minute": 30}
